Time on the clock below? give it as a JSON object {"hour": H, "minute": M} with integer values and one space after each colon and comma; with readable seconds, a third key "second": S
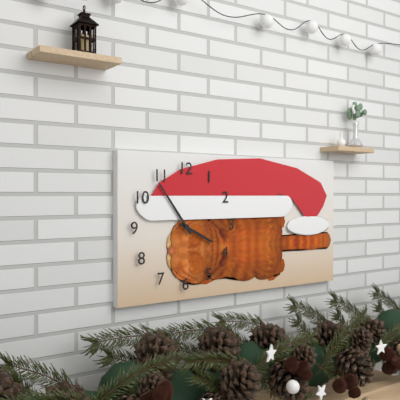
{"hour": 3, "minute": 54}
